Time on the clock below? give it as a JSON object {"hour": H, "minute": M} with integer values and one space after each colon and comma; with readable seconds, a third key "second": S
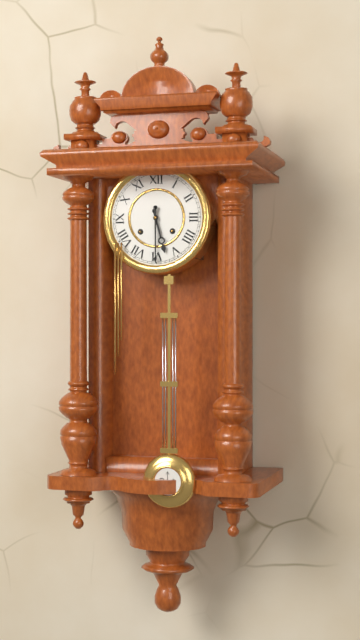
{"hour": 5, "minute": 30}
